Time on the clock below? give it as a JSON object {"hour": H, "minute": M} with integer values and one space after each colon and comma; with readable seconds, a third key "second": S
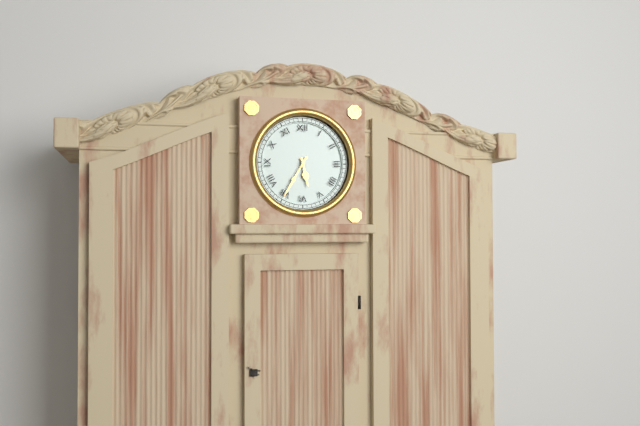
{"hour": 5, "minute": 35}
